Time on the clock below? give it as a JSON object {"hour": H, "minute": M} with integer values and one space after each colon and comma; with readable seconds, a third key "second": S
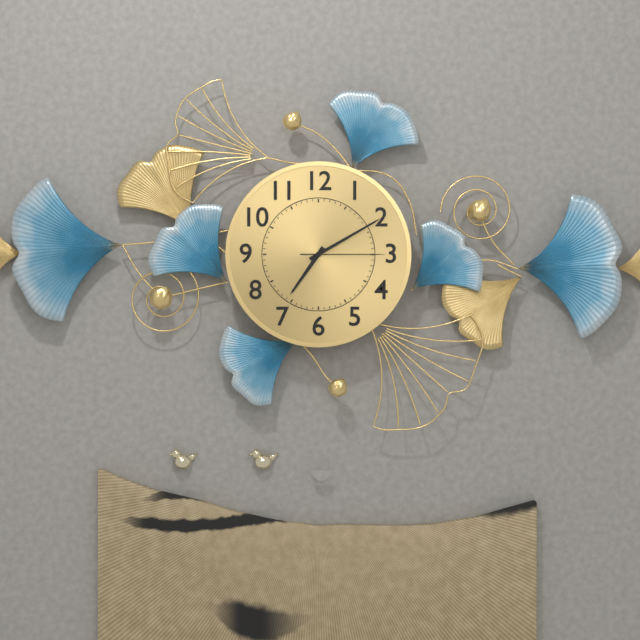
{"hour": 7, "minute": 10, "second": 15}
